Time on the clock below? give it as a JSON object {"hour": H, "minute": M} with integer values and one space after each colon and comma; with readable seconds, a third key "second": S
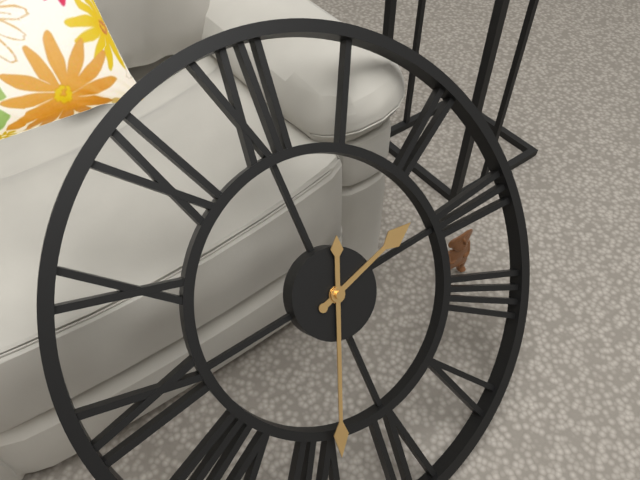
{"hour": 2, "minute": 34}
